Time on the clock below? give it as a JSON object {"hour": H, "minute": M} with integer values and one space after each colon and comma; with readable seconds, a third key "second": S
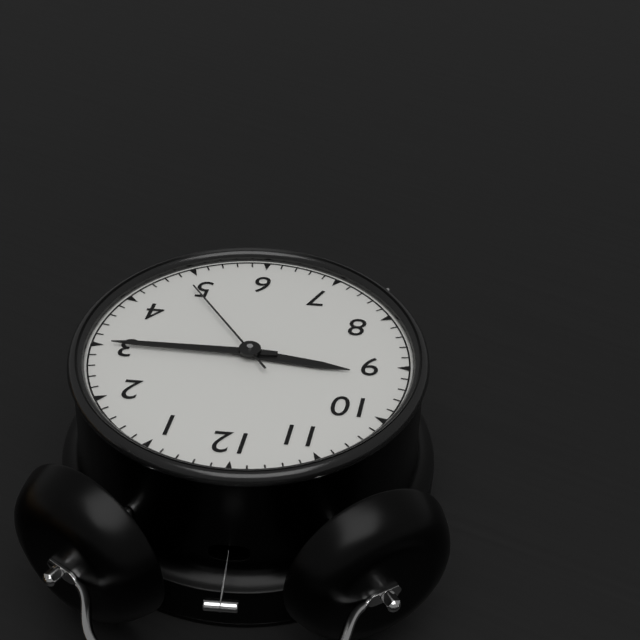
{"hour": 9, "minute": 15, "second": 24}
